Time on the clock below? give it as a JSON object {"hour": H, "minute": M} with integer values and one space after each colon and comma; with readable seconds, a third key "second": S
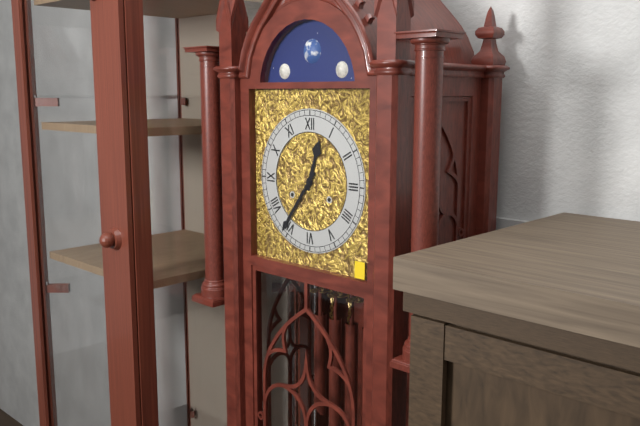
{"hour": 12, "minute": 36}
